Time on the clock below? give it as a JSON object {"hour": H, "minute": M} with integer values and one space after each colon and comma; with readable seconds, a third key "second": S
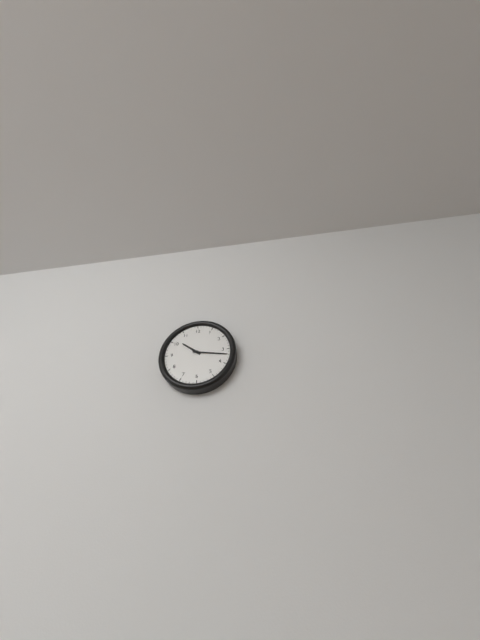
{"hour": 10, "minute": 17}
